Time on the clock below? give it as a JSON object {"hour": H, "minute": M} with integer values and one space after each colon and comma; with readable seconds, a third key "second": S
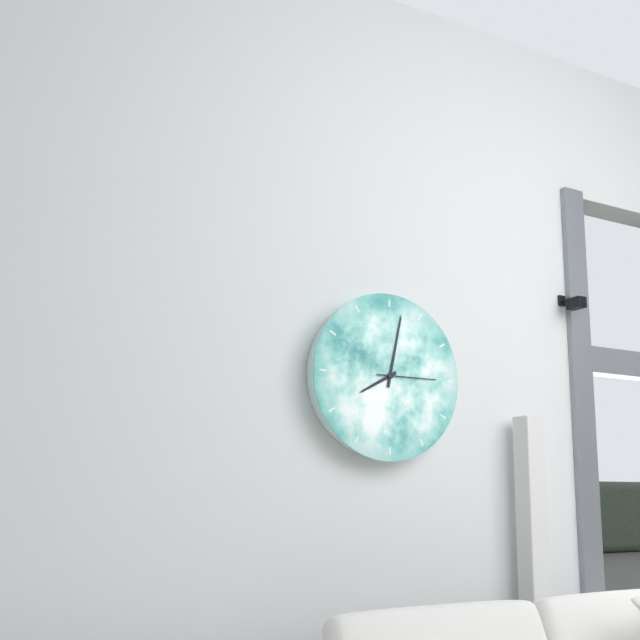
{"hour": 8, "minute": 2, "second": 15}
